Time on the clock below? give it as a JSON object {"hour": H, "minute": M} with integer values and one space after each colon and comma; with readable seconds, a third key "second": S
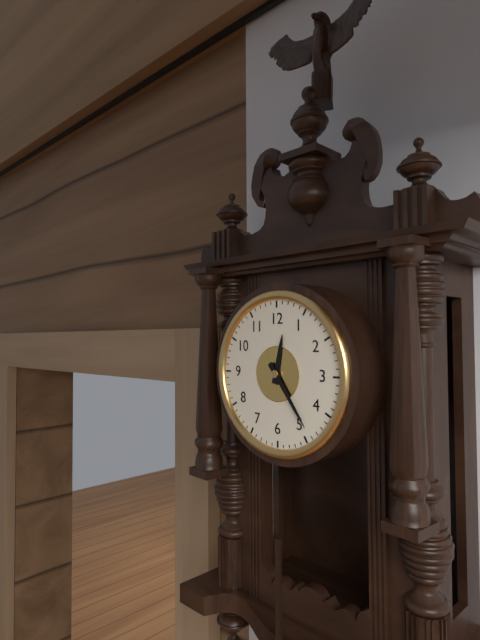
{"hour": 12, "minute": 24}
